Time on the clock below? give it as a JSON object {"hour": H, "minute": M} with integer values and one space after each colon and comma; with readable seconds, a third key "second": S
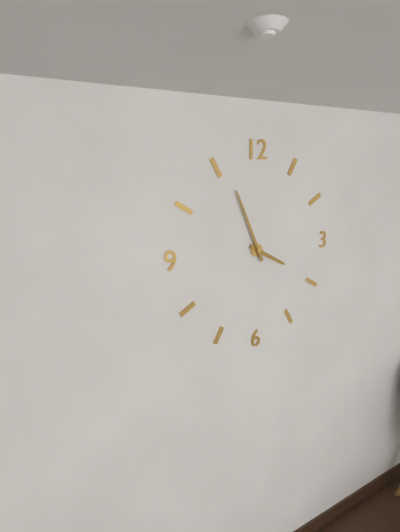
{"hour": 3, "minute": 56}
